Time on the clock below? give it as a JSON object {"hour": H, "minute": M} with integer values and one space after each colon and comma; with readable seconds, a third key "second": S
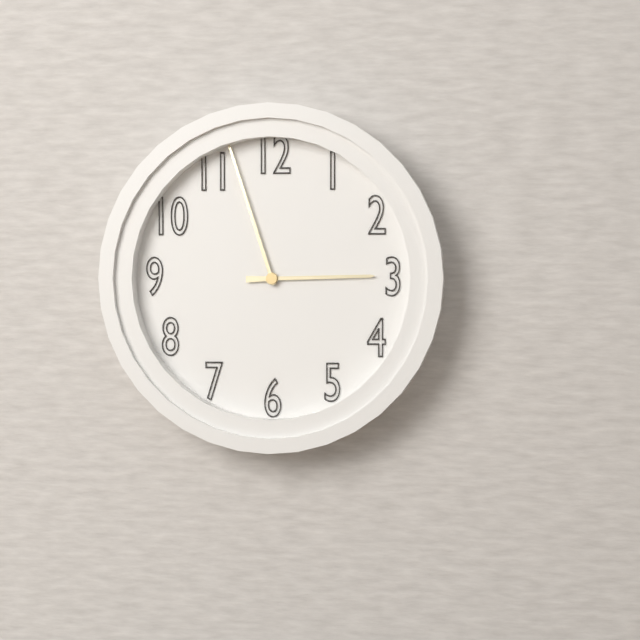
{"hour": 2, "minute": 57}
